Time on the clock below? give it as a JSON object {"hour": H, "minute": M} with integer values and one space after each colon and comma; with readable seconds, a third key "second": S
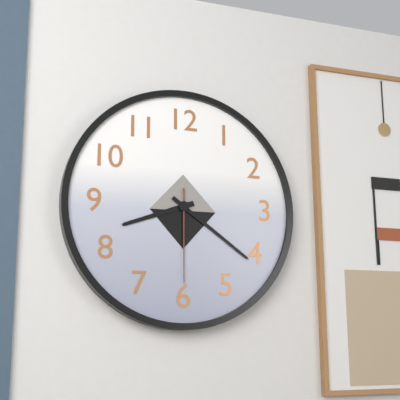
{"hour": 8, "minute": 21, "second": 30}
